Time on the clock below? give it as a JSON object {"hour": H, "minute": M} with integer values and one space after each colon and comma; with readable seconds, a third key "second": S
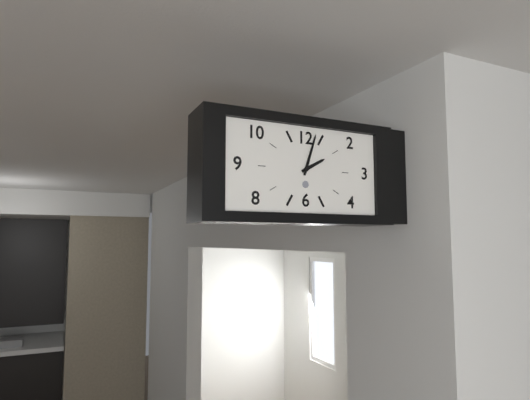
{"hour": 2, "minute": 3}
